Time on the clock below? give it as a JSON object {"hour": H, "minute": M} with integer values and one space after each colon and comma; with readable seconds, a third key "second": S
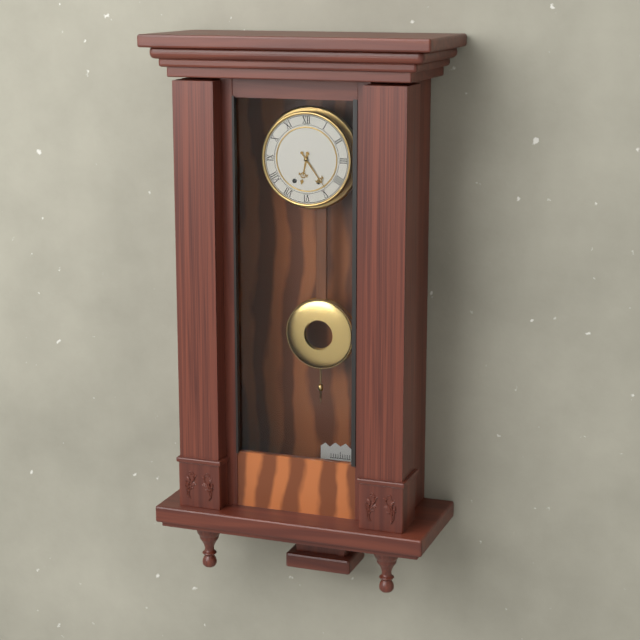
{"hour": 6, "minute": 24}
